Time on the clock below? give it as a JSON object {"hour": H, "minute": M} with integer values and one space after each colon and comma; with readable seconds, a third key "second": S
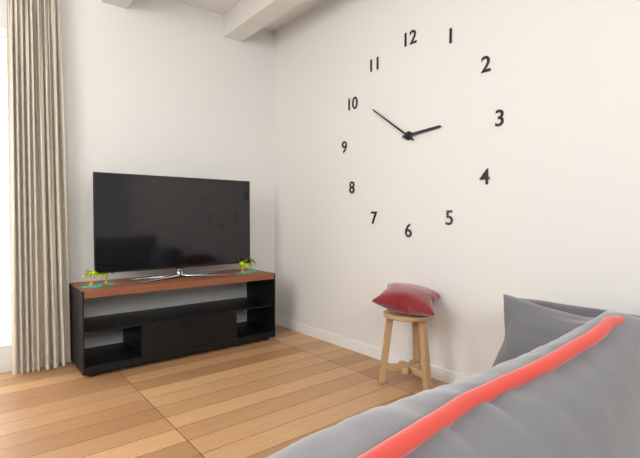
{"hour": 2, "minute": 51}
